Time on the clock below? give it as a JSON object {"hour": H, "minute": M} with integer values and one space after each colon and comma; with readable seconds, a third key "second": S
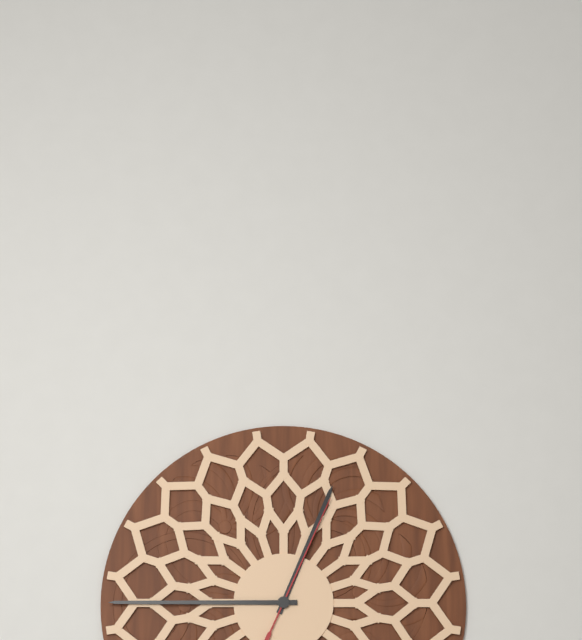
{"hour": 12, "minute": 45, "second": 4}
